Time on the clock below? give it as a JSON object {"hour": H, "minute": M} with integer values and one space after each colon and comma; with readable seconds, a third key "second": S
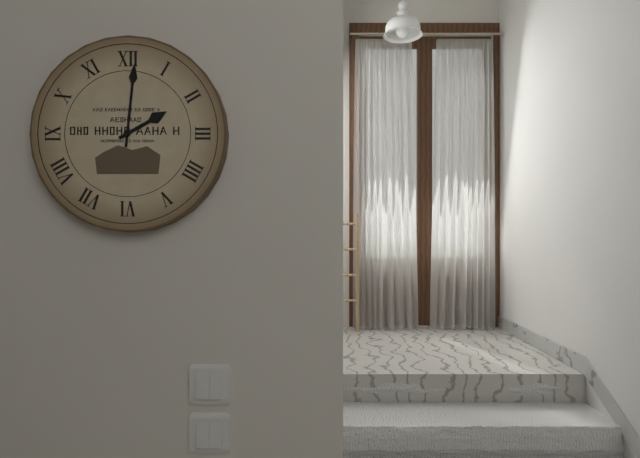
{"hour": 2, "minute": 1}
